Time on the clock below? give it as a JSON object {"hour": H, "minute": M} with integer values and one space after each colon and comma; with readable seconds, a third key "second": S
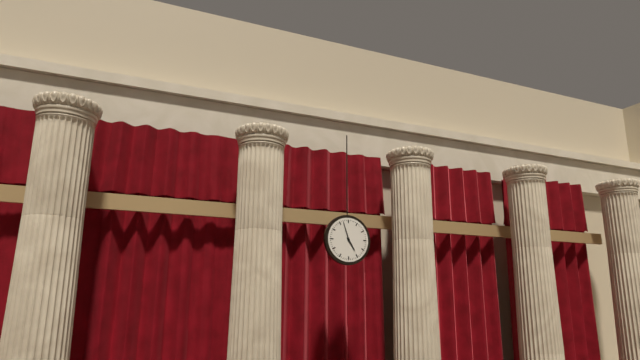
{"hour": 4, "minute": 57}
